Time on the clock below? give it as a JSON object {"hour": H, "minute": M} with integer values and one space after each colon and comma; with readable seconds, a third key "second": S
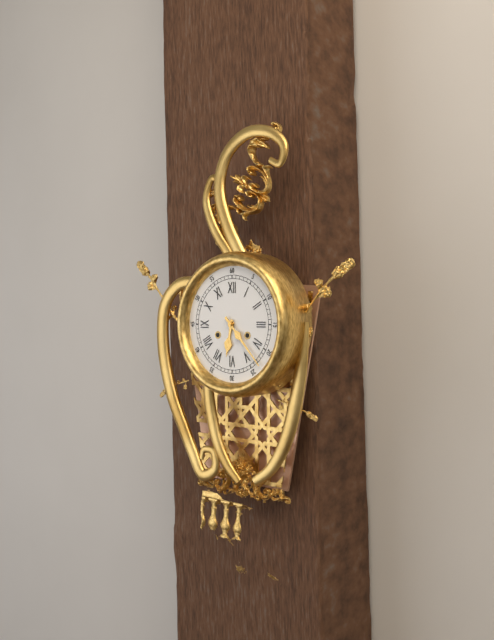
{"hour": 6, "minute": 23}
